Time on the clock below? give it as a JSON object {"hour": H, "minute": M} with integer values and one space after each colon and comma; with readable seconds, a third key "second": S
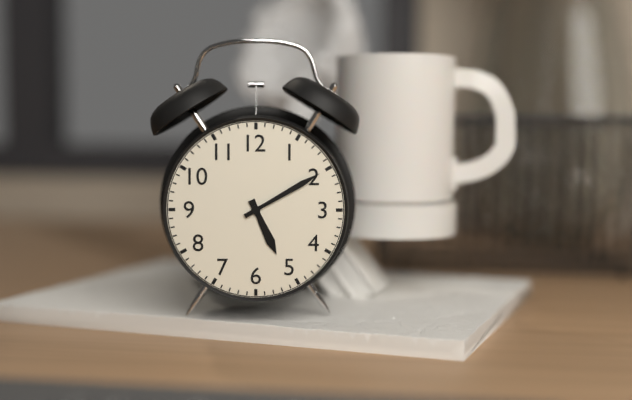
{"hour": 5, "minute": 10}
